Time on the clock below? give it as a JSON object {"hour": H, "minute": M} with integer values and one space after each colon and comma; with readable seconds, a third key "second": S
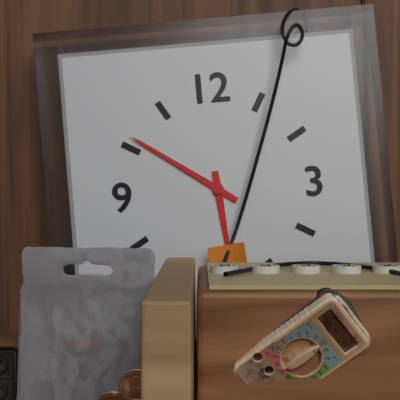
{"hour": 5, "minute": 51}
